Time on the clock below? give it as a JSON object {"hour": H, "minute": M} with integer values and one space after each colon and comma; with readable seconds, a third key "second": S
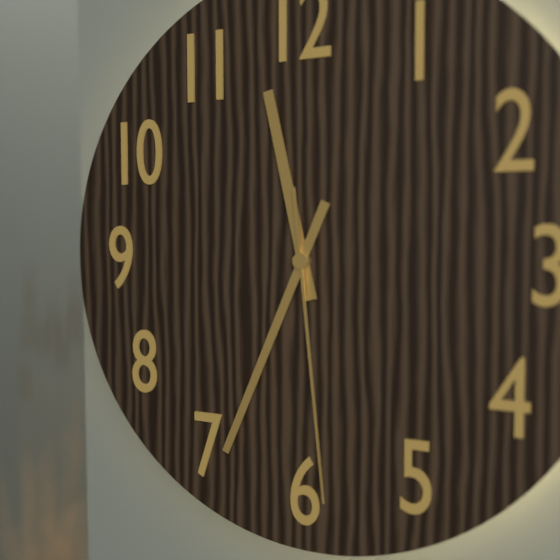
{"hour": 11, "minute": 34, "second": 29}
